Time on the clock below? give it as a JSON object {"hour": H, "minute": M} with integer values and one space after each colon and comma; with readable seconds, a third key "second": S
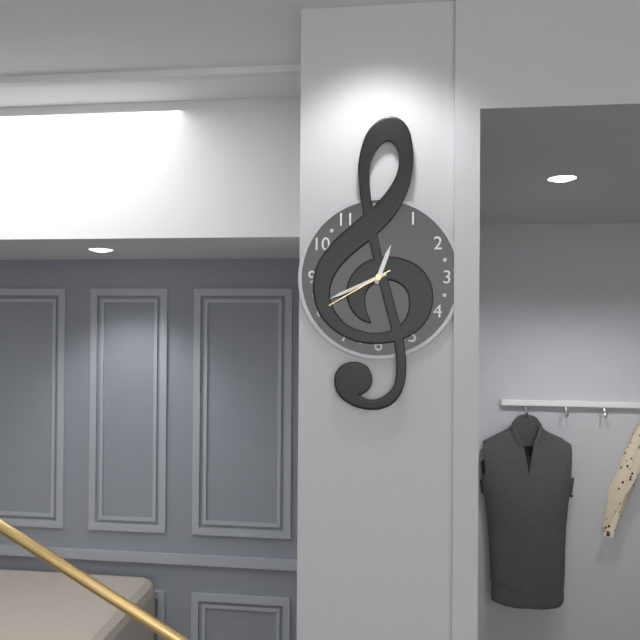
{"hour": 12, "minute": 41, "second": 40}
